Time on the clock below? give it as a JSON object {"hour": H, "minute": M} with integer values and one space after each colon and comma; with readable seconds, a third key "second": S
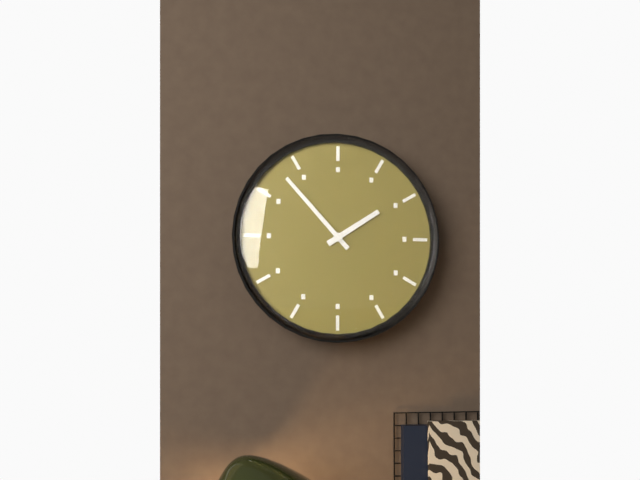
{"hour": 1, "minute": 53}
